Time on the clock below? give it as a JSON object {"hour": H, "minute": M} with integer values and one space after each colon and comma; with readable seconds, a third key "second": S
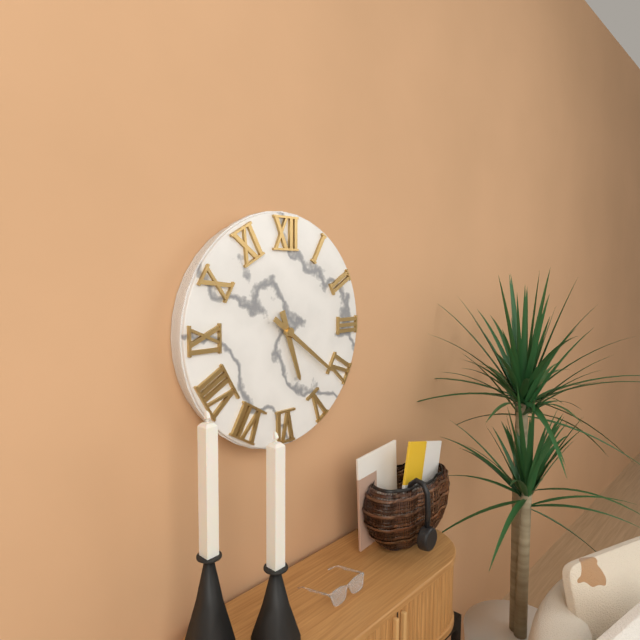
{"hour": 5, "minute": 21}
